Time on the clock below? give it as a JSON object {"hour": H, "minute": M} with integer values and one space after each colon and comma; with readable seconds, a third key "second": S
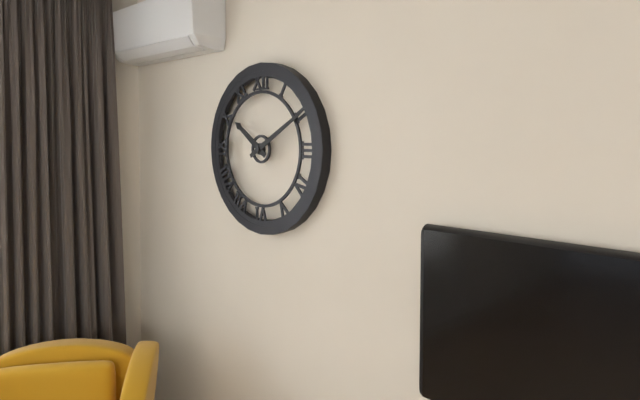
{"hour": 10, "minute": 10}
